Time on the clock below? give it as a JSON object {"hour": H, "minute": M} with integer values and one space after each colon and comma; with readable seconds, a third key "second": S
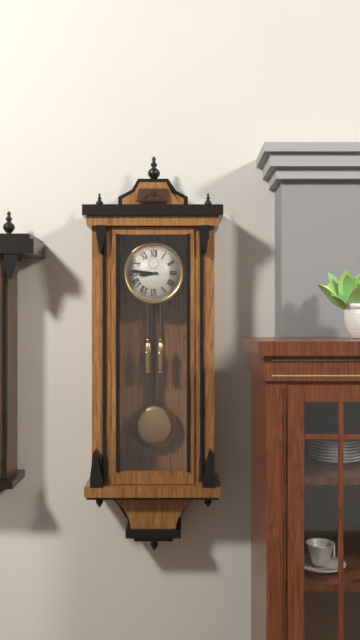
{"hour": 8, "minute": 46}
